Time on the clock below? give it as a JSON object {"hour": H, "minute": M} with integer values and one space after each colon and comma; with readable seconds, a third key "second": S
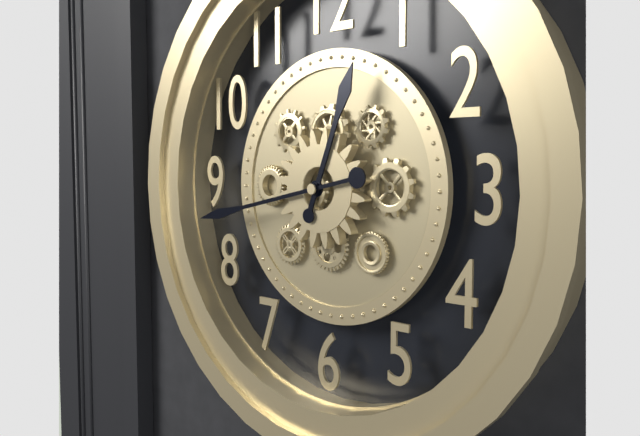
{"hour": 12, "minute": 43}
